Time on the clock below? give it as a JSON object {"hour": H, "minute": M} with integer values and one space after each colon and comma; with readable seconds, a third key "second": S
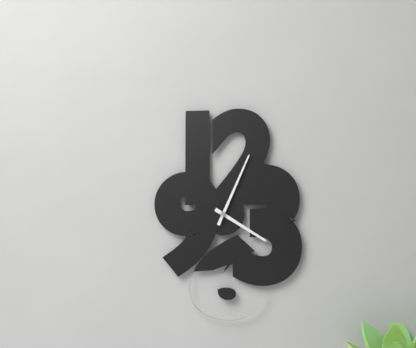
{"hour": 4, "minute": 4}
